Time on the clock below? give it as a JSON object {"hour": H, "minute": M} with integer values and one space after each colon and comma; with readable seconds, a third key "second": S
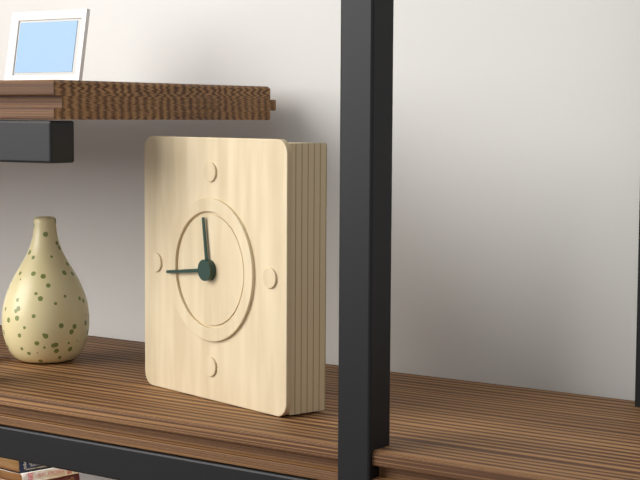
{"hour": 11, "minute": 44}
